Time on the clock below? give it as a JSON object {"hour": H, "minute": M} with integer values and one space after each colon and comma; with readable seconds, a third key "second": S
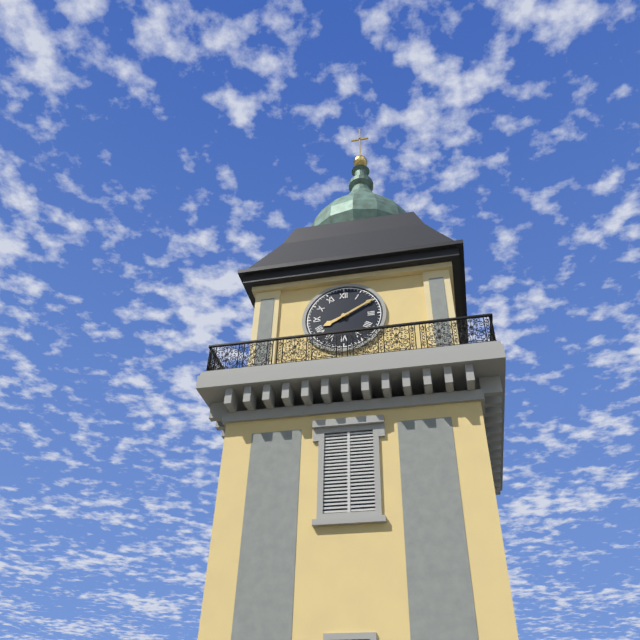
{"hour": 8, "minute": 10}
